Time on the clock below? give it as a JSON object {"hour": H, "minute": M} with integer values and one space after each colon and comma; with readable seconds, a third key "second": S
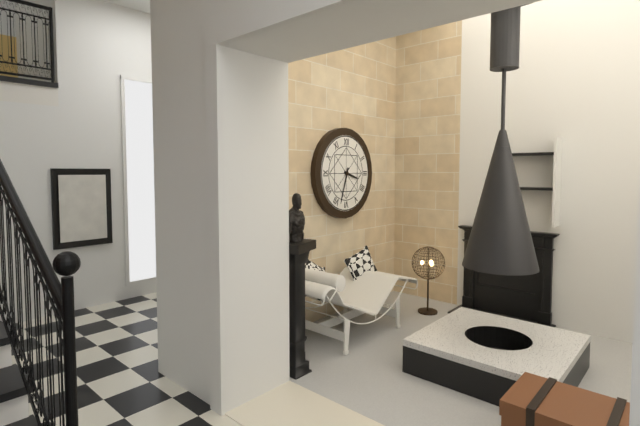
{"hour": 3, "minute": 33}
